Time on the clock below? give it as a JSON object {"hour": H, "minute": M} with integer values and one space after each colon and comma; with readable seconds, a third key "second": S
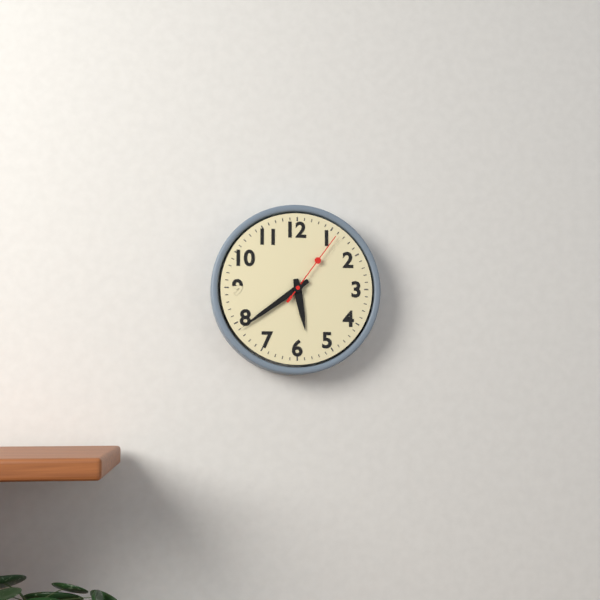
{"hour": 5, "minute": 39, "second": 6}
